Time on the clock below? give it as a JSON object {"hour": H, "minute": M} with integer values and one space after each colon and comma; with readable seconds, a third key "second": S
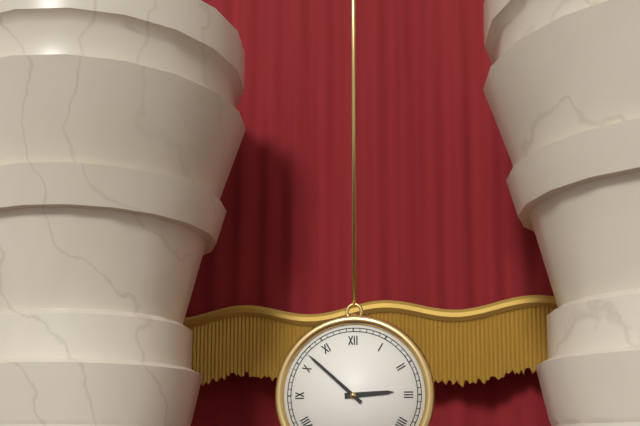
{"hour": 2, "minute": 52}
